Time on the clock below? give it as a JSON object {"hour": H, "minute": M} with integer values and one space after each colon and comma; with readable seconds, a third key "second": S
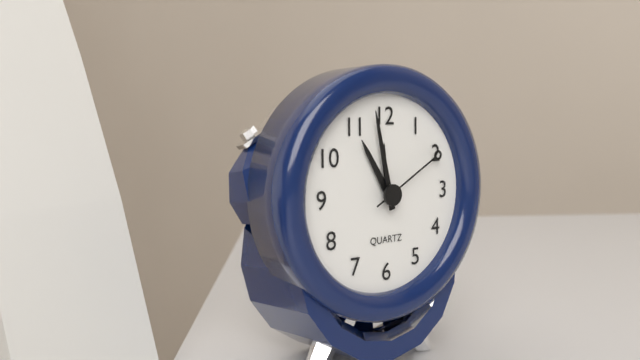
{"hour": 10, "minute": 58, "second": 10}
